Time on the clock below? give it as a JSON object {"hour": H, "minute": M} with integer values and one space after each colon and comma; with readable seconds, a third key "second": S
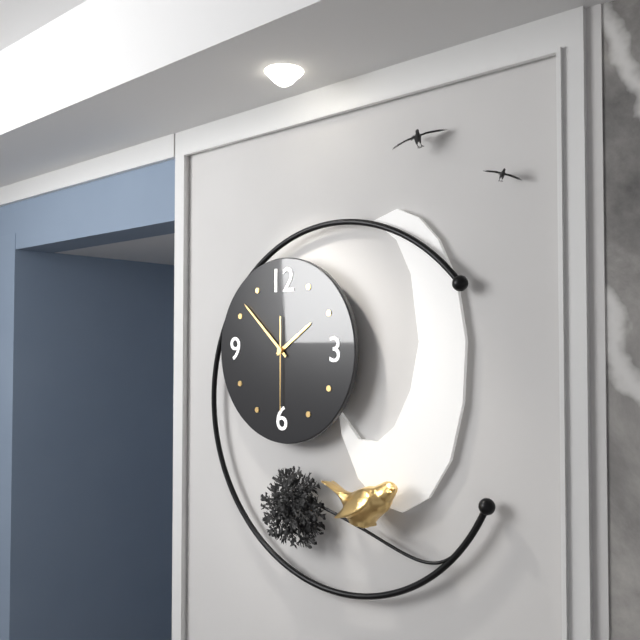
{"hour": 1, "minute": 52, "second": 30}
